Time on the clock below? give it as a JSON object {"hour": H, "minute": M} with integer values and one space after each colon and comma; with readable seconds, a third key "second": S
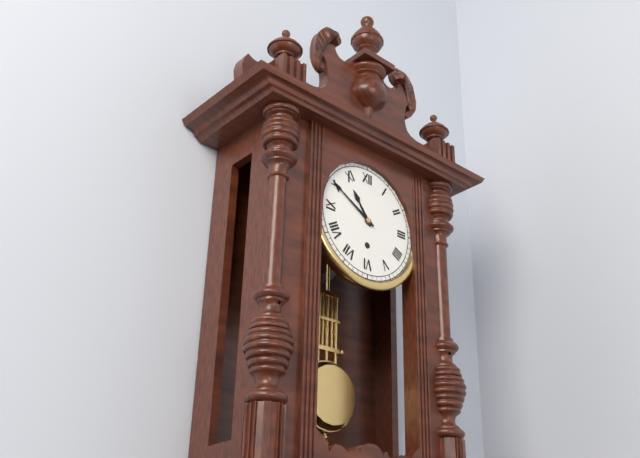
{"hour": 10, "minute": 50}
